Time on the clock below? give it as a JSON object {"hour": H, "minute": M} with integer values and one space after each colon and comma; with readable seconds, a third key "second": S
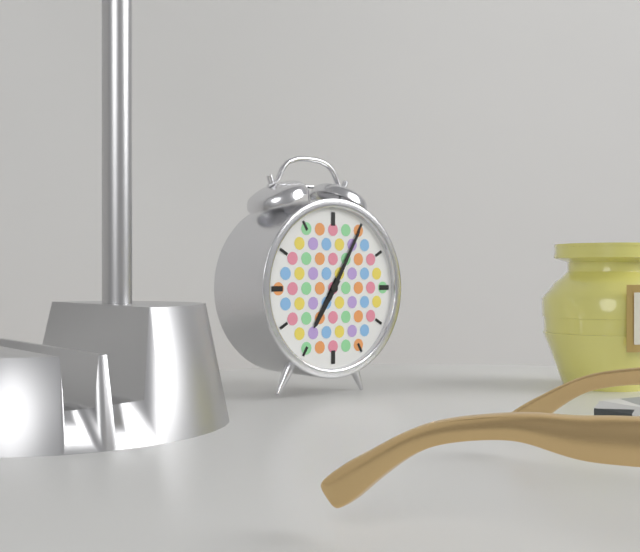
{"hour": 7, "minute": 5}
